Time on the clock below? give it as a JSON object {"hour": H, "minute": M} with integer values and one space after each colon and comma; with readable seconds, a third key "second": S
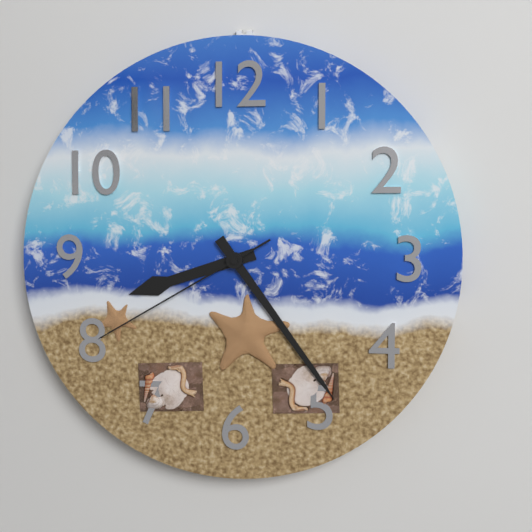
{"hour": 8, "minute": 24, "second": 40}
